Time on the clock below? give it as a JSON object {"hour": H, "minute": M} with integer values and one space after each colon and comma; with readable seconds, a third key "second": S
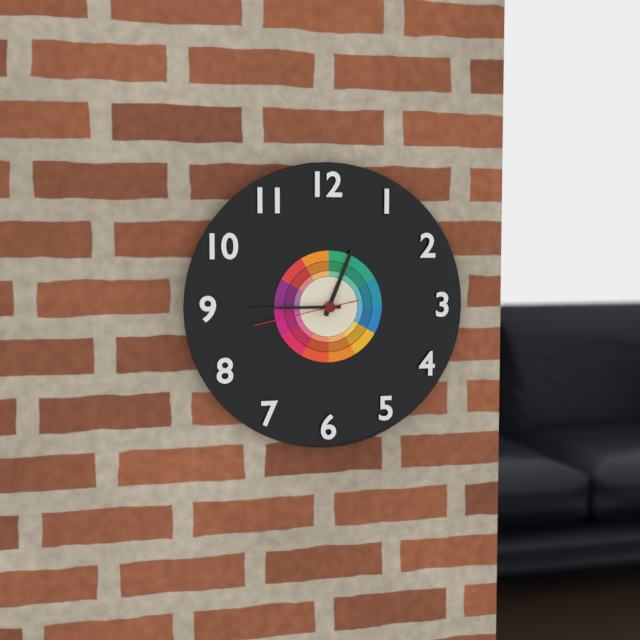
{"hour": 12, "minute": 45, "second": 43}
